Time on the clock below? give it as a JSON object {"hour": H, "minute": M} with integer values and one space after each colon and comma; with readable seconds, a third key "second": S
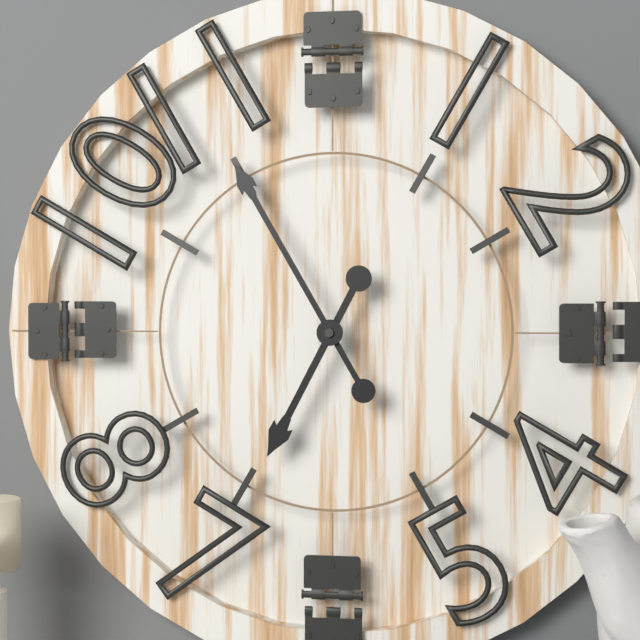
{"hour": 6, "minute": 55}
